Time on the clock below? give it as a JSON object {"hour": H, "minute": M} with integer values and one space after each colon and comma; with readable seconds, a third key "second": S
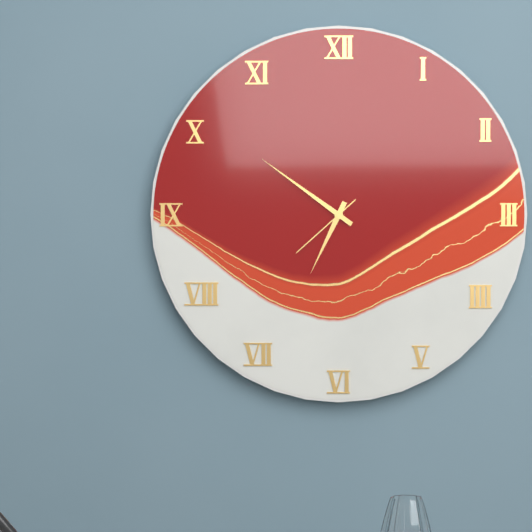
{"hour": 6, "minute": 51, "second": 38}
